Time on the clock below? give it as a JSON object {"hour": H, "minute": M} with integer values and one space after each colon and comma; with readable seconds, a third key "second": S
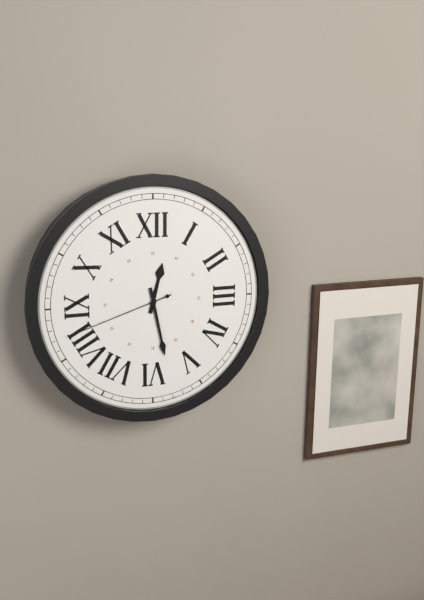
{"hour": 12, "minute": 28, "second": 42}
